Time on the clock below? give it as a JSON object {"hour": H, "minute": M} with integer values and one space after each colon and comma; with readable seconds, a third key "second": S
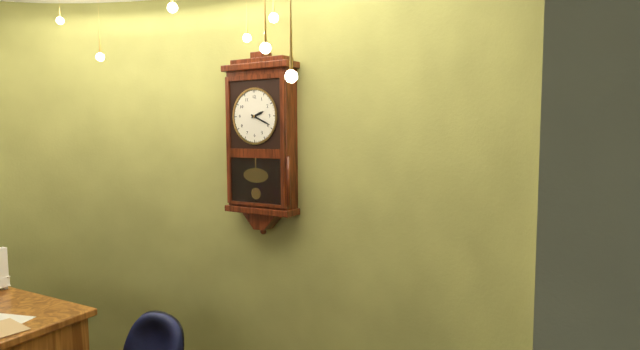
{"hour": 2, "minute": 19}
